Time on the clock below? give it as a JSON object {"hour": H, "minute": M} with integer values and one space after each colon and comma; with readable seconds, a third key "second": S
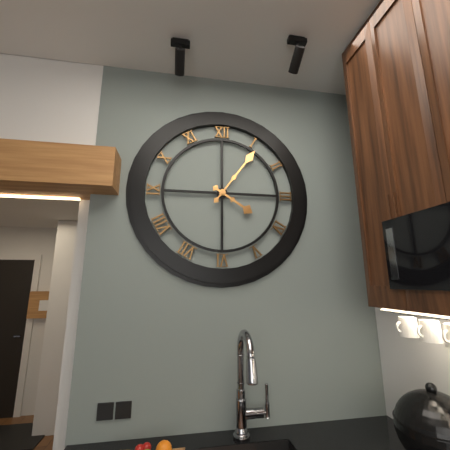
{"hour": 4, "minute": 6}
